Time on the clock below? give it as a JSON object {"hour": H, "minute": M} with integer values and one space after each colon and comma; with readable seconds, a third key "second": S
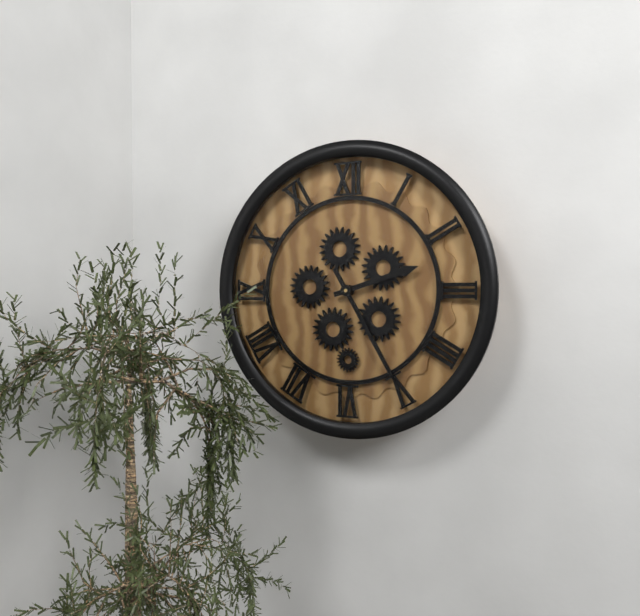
{"hour": 2, "minute": 25}
